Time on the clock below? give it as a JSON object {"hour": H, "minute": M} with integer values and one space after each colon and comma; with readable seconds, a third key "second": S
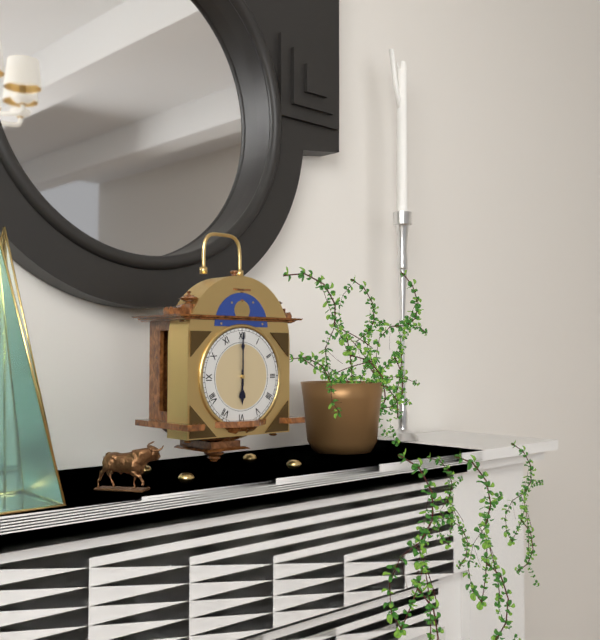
{"hour": 6, "minute": 0}
